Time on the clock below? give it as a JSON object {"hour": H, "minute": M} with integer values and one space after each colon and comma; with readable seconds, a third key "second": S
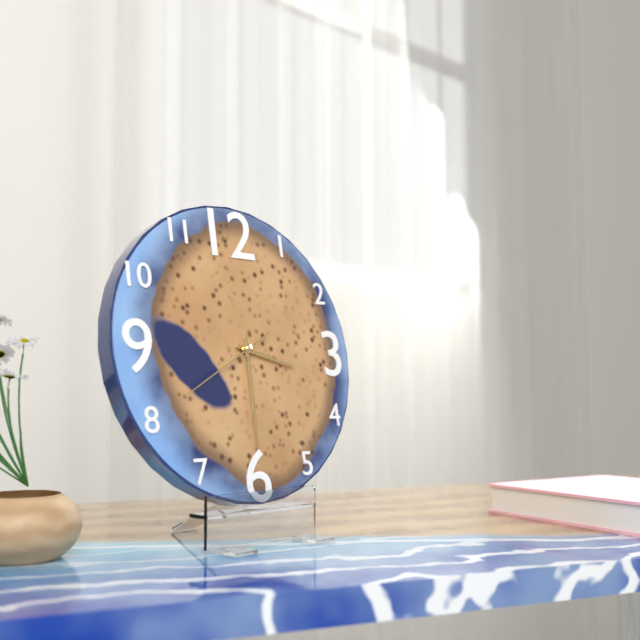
{"hour": 3, "minute": 30, "second": 40}
